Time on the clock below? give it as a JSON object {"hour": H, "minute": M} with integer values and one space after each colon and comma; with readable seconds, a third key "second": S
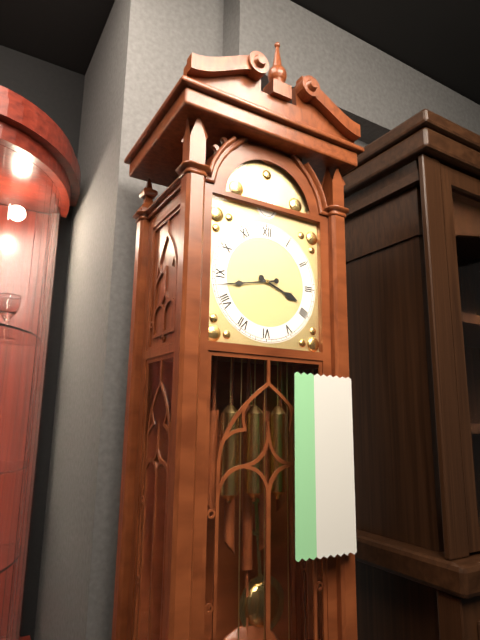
{"hour": 3, "minute": 43}
